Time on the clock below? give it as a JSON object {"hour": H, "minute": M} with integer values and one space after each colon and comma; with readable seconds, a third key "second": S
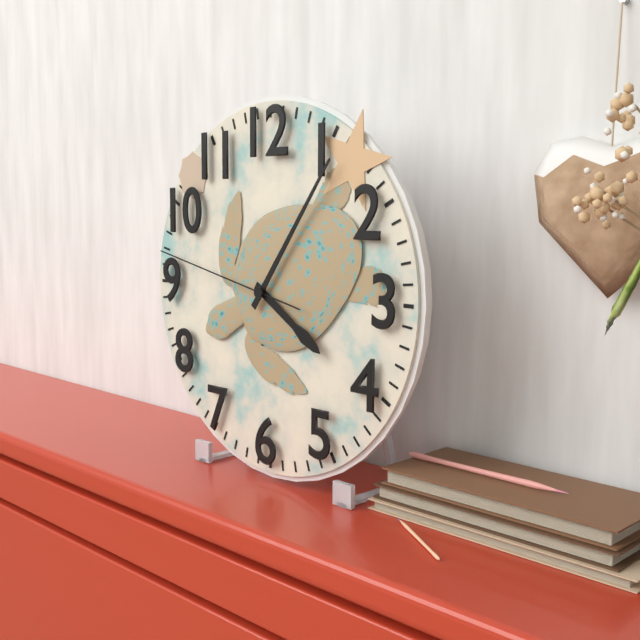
{"hour": 4, "minute": 6, "second": 47}
